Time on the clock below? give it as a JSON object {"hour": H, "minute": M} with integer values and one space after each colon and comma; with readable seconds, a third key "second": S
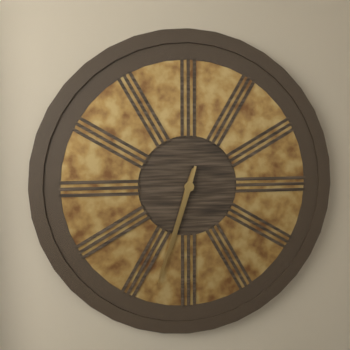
{"hour": 6, "minute": 33}
